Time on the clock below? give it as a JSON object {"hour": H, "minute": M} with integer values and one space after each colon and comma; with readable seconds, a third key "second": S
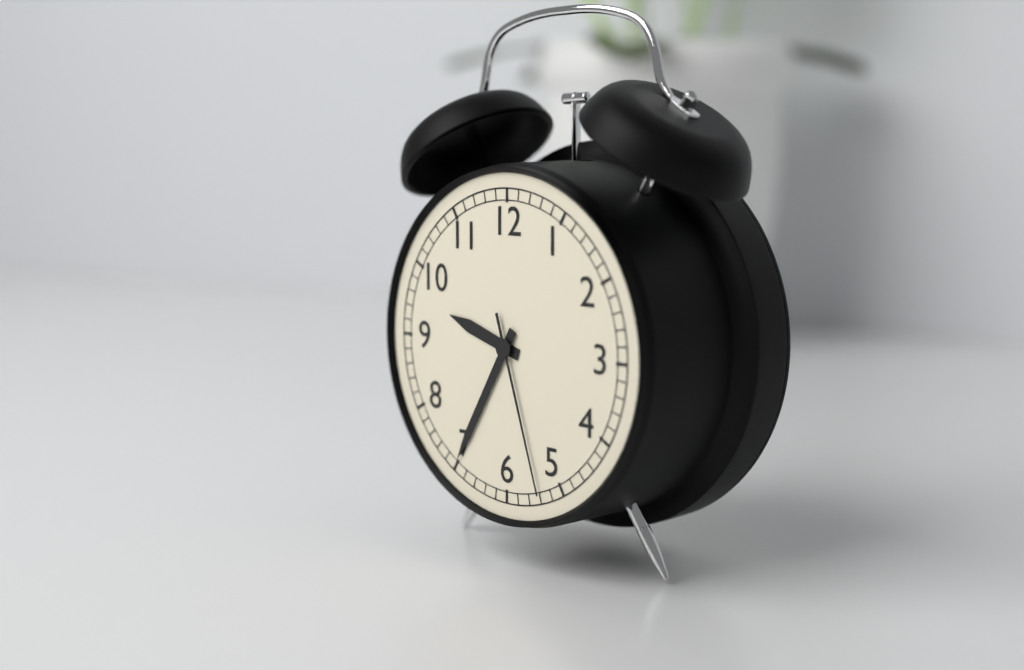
{"hour": 9, "minute": 35, "second": 27}
